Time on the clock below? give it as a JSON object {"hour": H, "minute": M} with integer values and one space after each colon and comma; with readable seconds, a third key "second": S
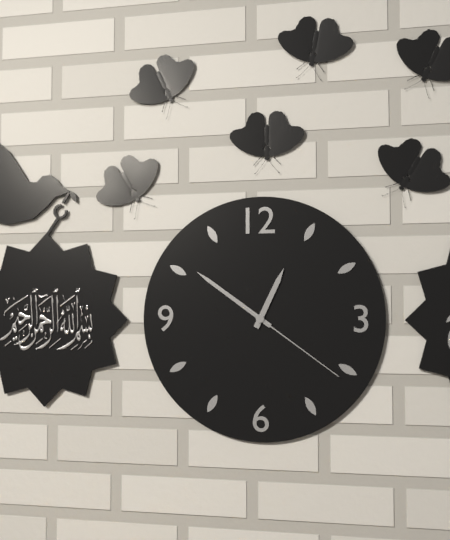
{"hour": 12, "minute": 51, "second": 21}
